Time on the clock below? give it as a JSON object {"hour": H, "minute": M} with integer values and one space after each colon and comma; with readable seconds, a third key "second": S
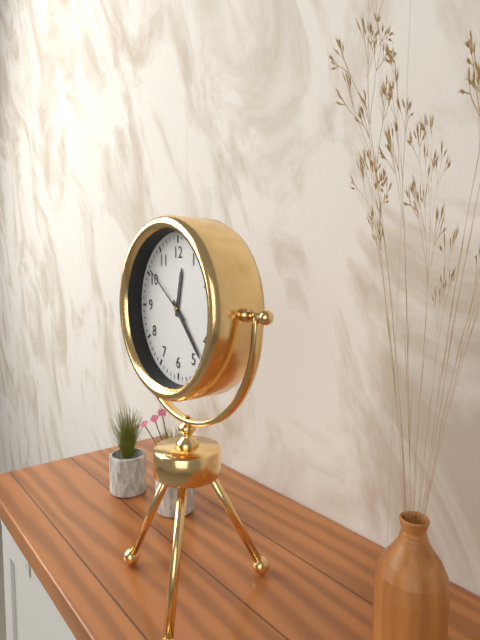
{"hour": 12, "minute": 23, "second": 51}
